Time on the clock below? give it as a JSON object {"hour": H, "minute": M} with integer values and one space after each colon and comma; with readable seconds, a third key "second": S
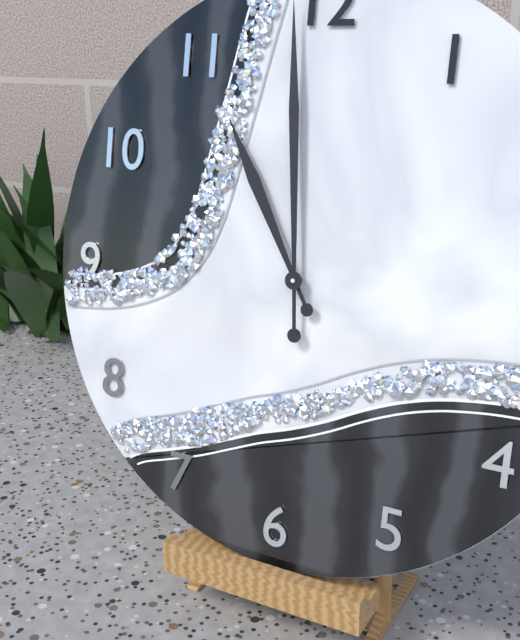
{"hour": 10, "minute": 59}
